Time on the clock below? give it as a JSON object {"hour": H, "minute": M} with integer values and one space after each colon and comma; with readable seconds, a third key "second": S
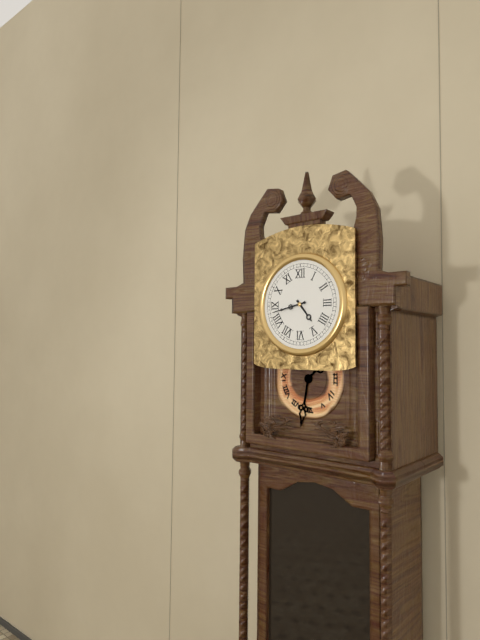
{"hour": 4, "minute": 43}
